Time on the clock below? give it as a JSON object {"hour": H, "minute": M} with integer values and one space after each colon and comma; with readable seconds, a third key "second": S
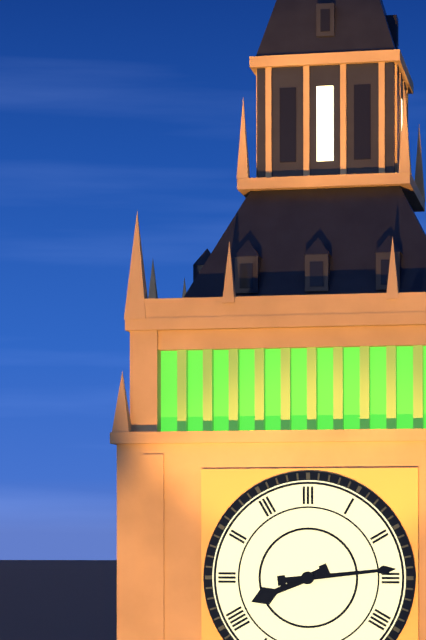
{"hour": 8, "minute": 14}
